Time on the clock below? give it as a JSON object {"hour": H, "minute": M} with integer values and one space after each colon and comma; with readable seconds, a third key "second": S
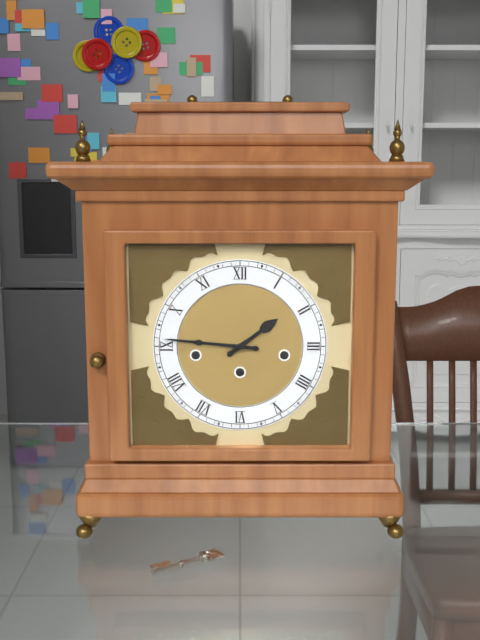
{"hour": 1, "minute": 46}
